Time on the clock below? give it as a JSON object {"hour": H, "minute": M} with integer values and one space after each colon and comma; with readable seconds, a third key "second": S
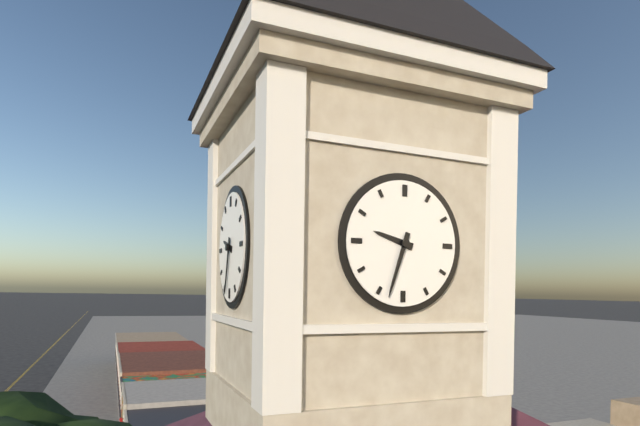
{"hour": 9, "minute": 33}
